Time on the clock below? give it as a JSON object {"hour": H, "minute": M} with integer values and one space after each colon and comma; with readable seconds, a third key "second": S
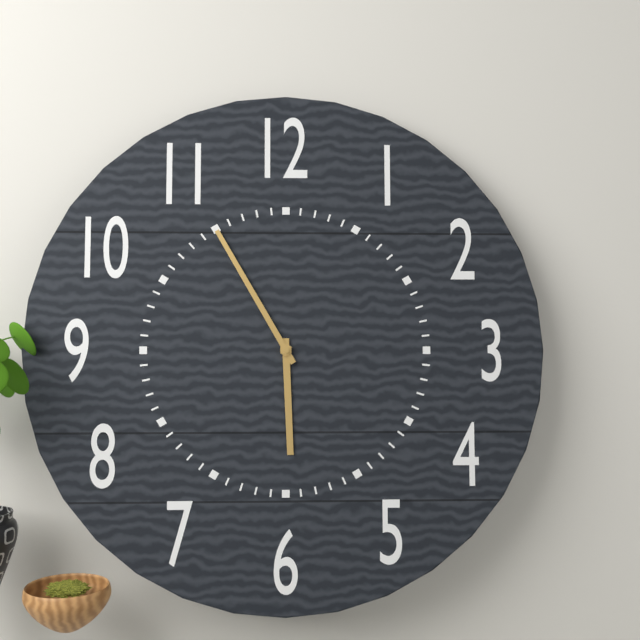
{"hour": 5, "minute": 55}
